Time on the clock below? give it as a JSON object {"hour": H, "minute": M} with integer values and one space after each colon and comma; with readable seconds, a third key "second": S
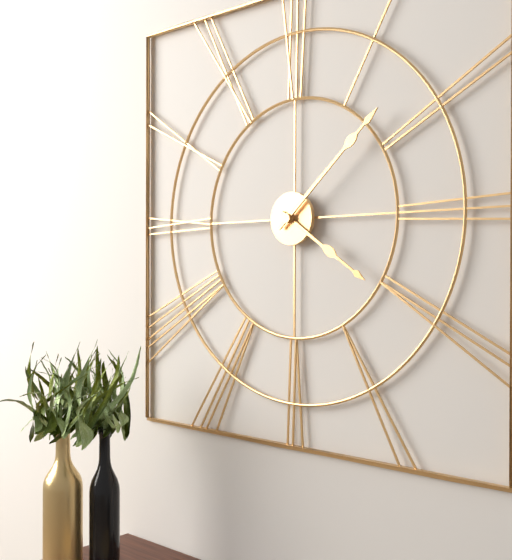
{"hour": 4, "minute": 8}
